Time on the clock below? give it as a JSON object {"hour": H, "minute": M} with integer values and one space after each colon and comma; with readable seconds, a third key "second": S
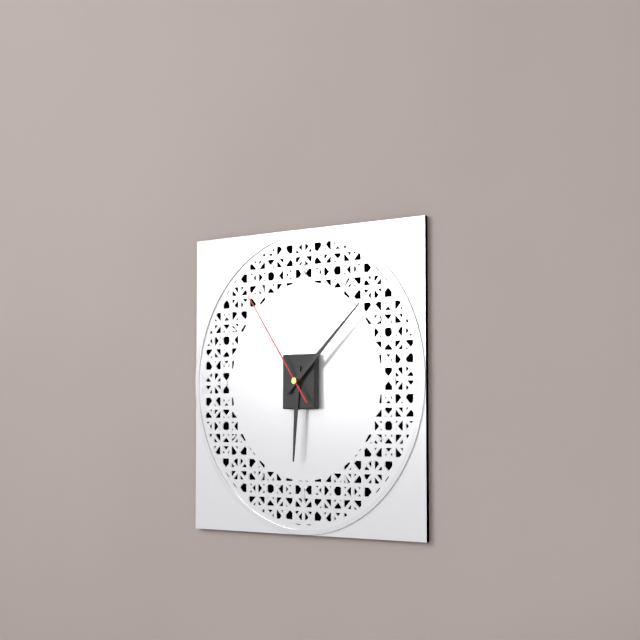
{"hour": 6, "minute": 8, "second": 54}
